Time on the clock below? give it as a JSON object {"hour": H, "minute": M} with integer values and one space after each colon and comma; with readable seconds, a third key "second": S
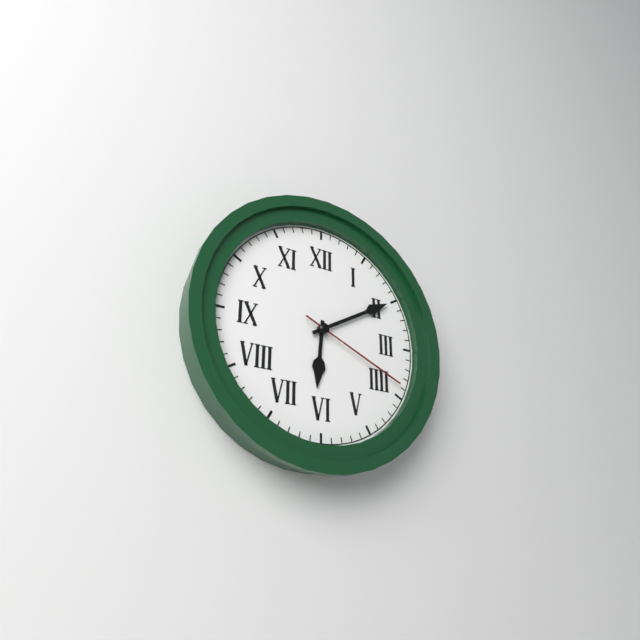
{"hour": 6, "minute": 10, "second": 19}
